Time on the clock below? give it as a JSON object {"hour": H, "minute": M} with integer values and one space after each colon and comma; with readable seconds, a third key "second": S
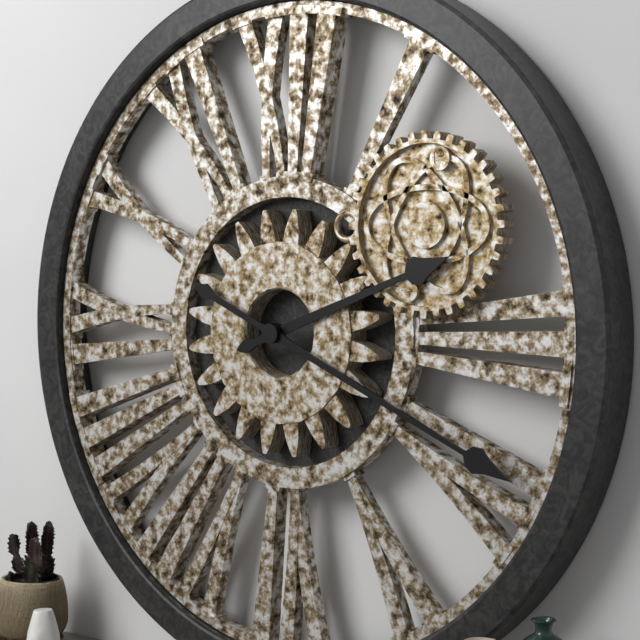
{"hour": 2, "minute": 19}
